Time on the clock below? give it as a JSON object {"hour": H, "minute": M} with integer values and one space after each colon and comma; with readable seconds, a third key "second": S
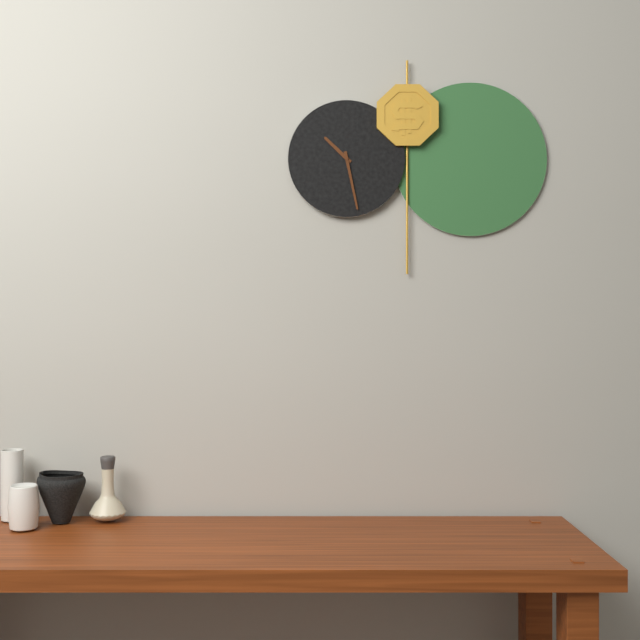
{"hour": 10, "minute": 28}
